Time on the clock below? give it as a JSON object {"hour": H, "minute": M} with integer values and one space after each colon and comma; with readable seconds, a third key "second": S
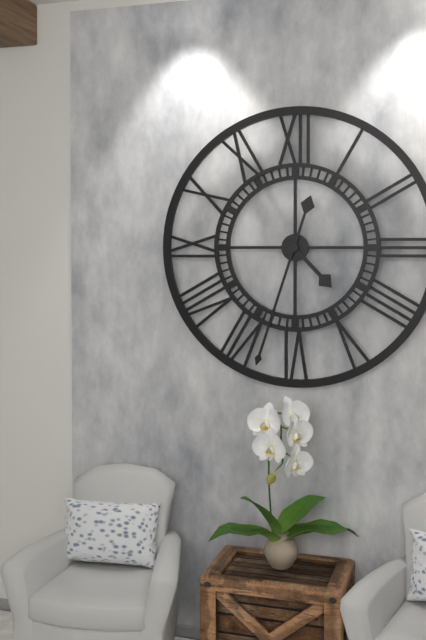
{"hour": 4, "minute": 33}
